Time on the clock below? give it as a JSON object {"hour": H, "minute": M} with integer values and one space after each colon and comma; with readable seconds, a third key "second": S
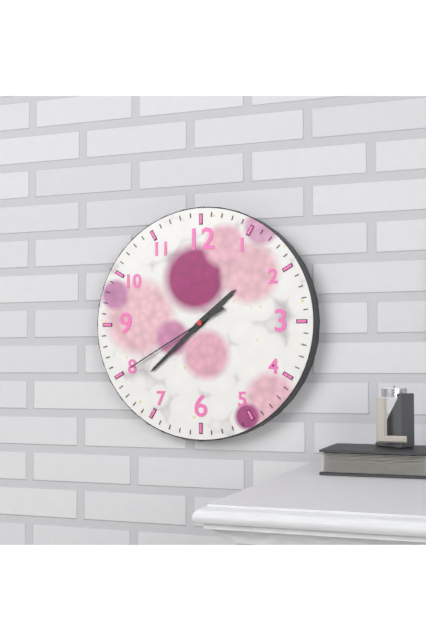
{"hour": 1, "minute": 38, "second": 40}
